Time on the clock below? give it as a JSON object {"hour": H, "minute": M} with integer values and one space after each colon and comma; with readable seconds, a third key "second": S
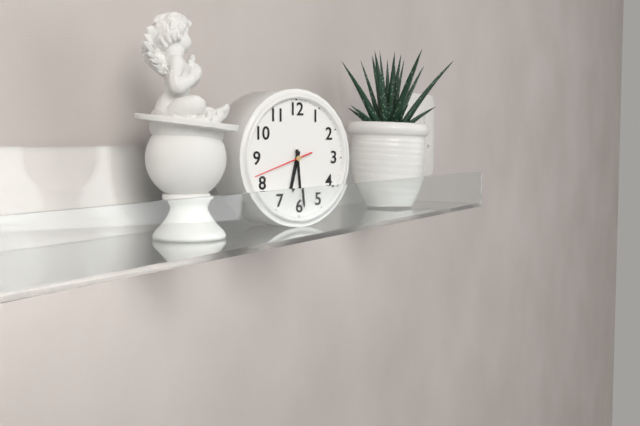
{"hour": 6, "minute": 29, "second": 42}
